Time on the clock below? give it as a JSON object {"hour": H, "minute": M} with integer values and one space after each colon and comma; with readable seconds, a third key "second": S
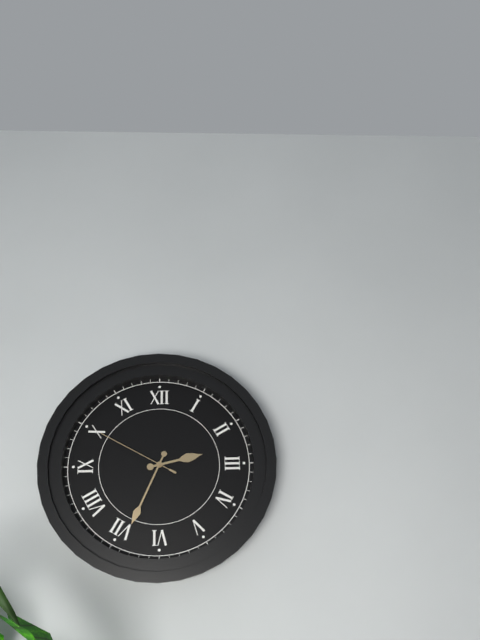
{"hour": 2, "minute": 34, "second": 50}
